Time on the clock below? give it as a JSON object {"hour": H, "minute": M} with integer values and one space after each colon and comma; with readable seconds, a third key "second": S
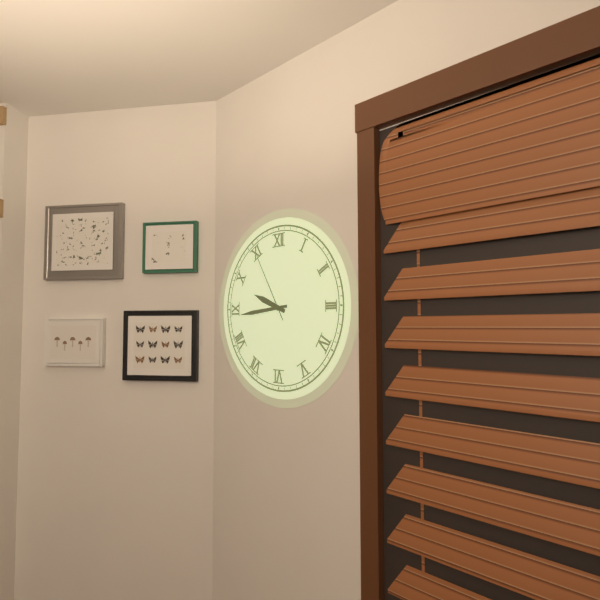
{"hour": 9, "minute": 44, "second": 55}
